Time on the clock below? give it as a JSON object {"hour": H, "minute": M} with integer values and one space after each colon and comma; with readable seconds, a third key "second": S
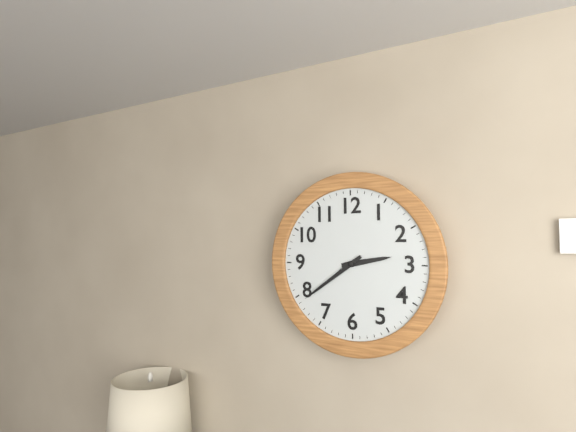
{"hour": 2, "minute": 39}
